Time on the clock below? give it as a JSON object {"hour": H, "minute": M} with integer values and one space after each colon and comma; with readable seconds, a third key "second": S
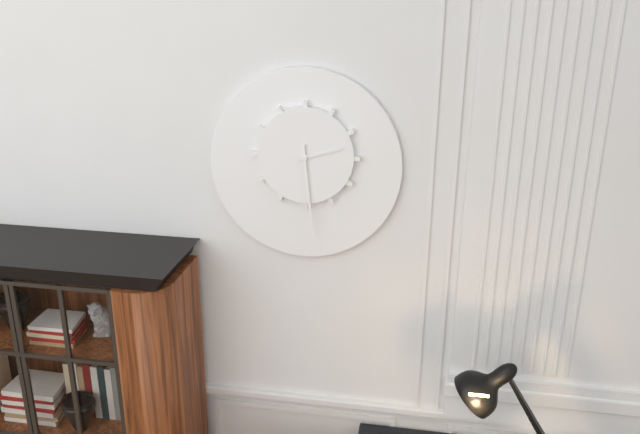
{"hour": 2, "minute": 29}
